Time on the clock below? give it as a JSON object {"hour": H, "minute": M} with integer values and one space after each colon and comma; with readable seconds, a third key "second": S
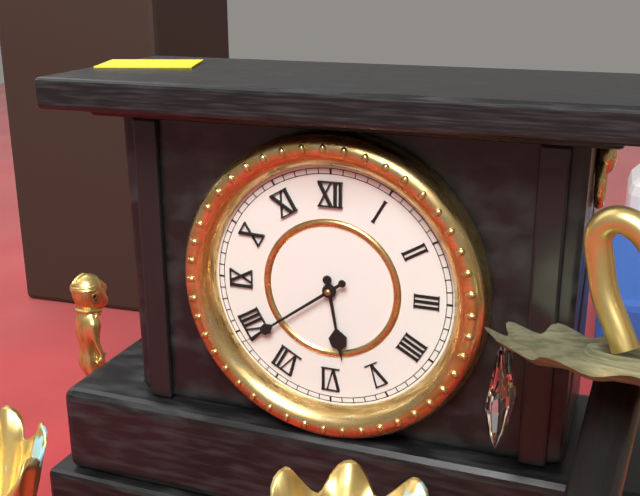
{"hour": 5, "minute": 39}
